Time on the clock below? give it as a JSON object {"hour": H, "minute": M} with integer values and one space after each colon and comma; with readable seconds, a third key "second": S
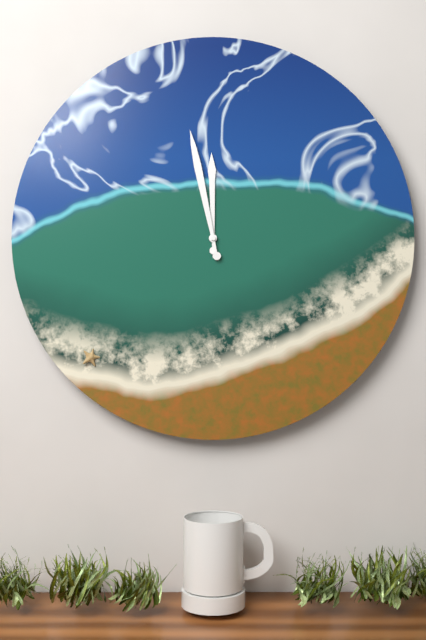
{"hour": 11, "minute": 58}
